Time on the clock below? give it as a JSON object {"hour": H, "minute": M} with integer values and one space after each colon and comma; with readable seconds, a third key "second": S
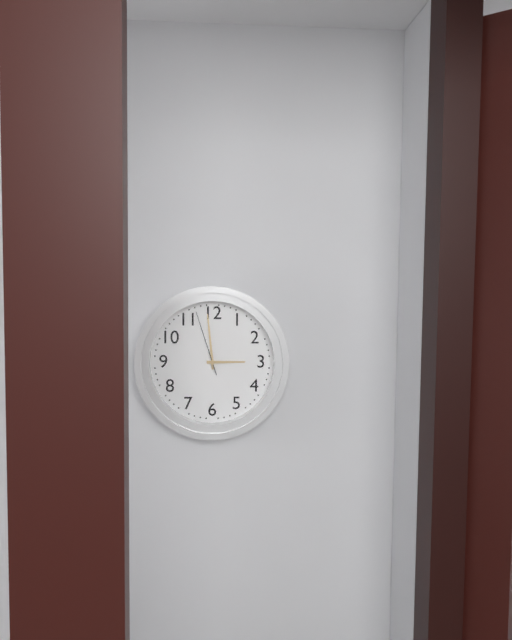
{"hour": 2, "minute": 59, "second": 57}
